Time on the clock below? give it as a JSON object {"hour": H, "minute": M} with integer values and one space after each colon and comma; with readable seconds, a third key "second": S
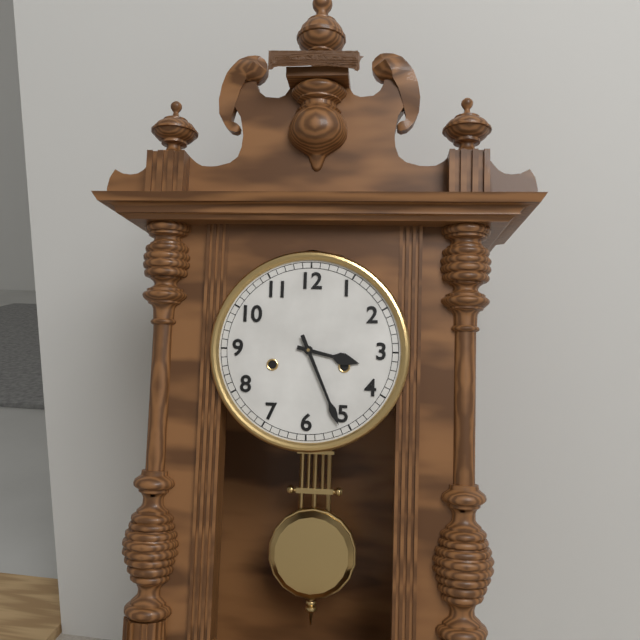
{"hour": 3, "minute": 26}
